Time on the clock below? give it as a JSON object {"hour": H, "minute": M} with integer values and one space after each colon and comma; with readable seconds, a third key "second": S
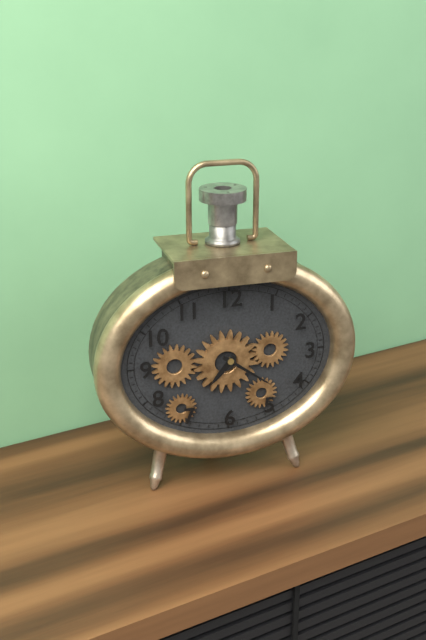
{"hour": 7, "minute": 21}
